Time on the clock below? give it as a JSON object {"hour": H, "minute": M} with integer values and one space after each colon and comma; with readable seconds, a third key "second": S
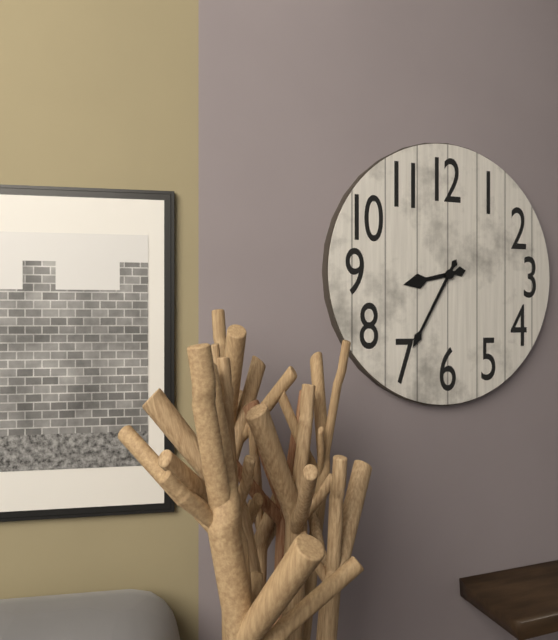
{"hour": 8, "minute": 35}
